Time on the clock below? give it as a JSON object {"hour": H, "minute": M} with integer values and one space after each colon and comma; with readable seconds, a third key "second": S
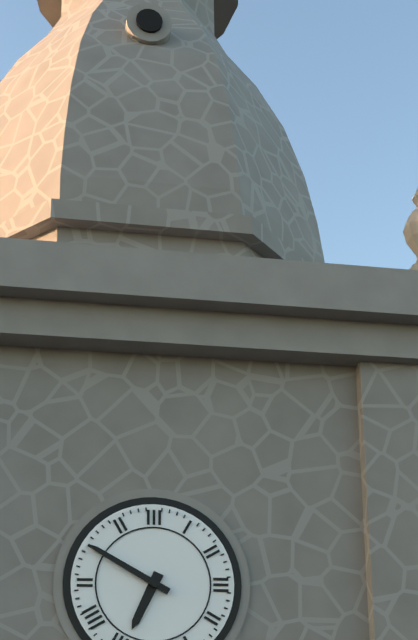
{"hour": 6, "minute": 50}
